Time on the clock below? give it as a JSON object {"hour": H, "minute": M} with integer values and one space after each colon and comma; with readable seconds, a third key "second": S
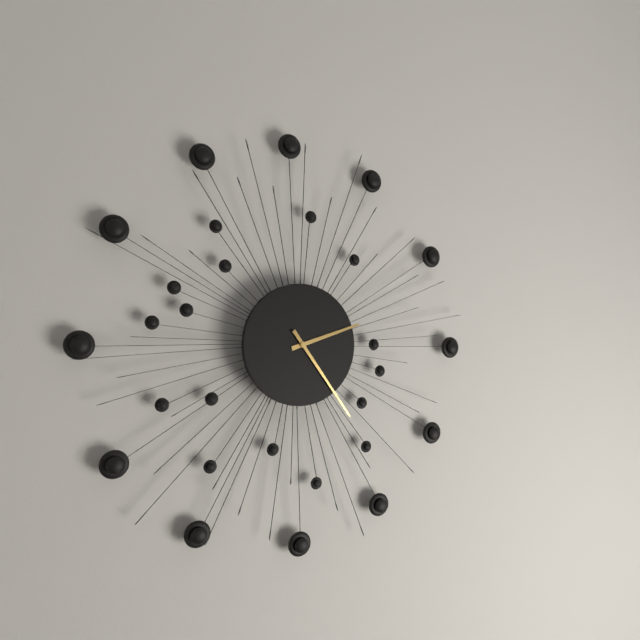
{"hour": 2, "minute": 24}
